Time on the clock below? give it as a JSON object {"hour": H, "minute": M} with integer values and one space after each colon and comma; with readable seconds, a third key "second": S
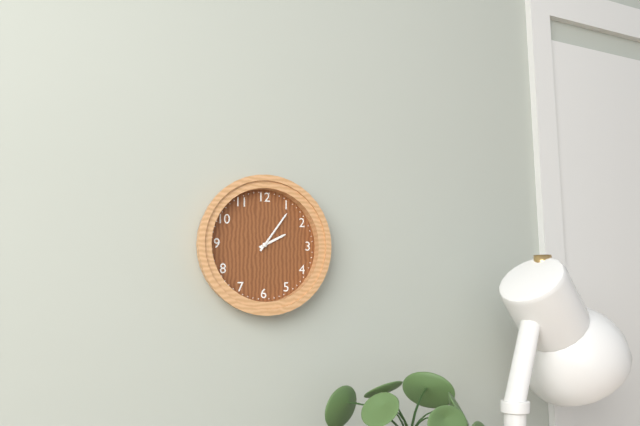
{"hour": 2, "minute": 6}
